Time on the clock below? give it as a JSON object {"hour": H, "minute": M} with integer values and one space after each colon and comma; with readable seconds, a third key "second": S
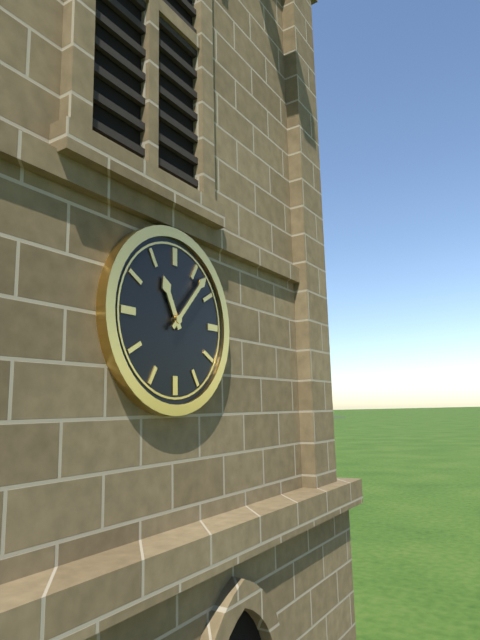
{"hour": 11, "minute": 7}
